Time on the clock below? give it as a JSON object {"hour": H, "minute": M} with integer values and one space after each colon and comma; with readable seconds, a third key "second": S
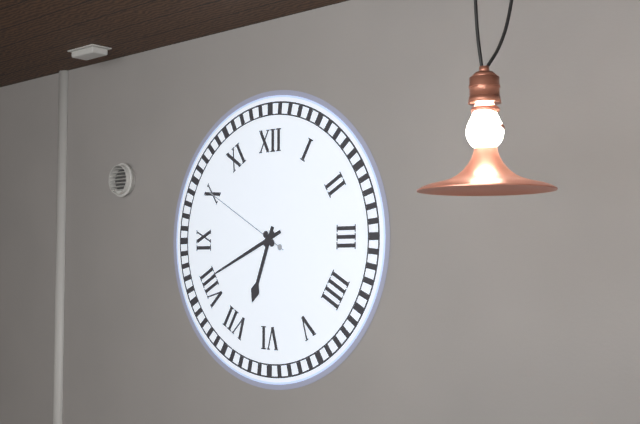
{"hour": 6, "minute": 41, "second": 50}
